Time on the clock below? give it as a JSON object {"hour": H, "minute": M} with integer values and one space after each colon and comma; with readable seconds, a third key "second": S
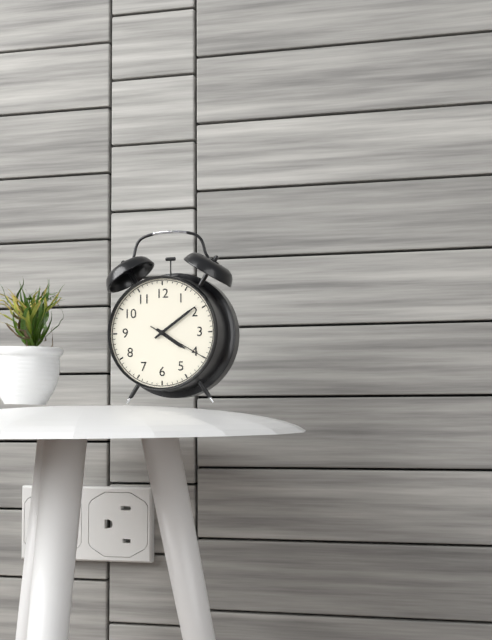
{"hour": 4, "minute": 9, "second": 20}
